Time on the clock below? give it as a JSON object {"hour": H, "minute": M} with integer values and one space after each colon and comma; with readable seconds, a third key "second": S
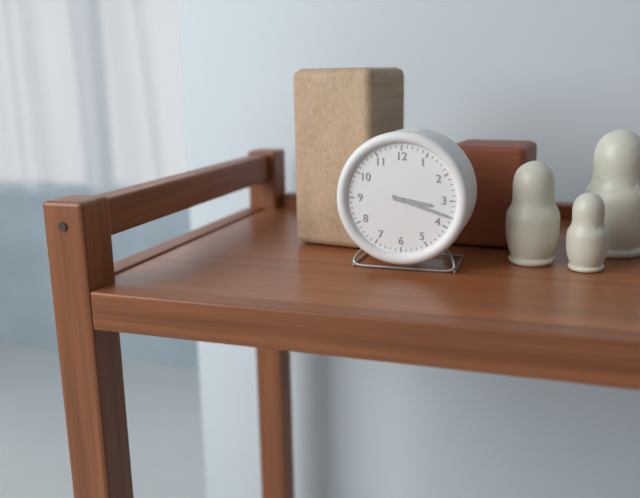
{"hour": 3, "minute": 18}
